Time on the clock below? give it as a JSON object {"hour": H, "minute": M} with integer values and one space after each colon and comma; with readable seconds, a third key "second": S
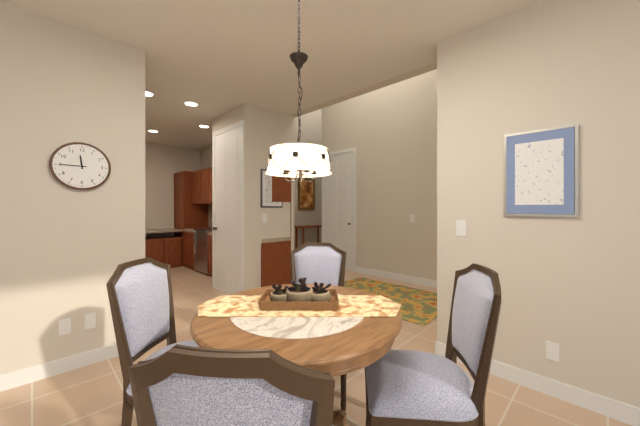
{"hour": 11, "minute": 45}
